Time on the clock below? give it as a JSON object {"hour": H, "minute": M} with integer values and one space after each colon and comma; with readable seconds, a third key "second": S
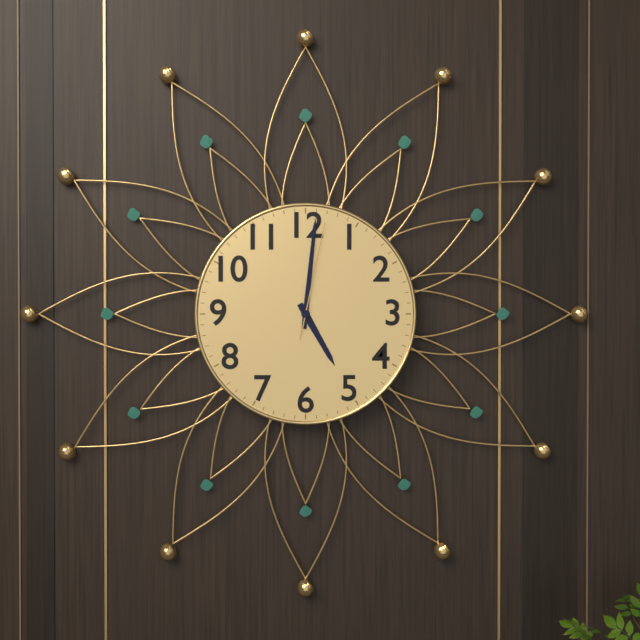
{"hour": 5, "minute": 1, "second": 2}
